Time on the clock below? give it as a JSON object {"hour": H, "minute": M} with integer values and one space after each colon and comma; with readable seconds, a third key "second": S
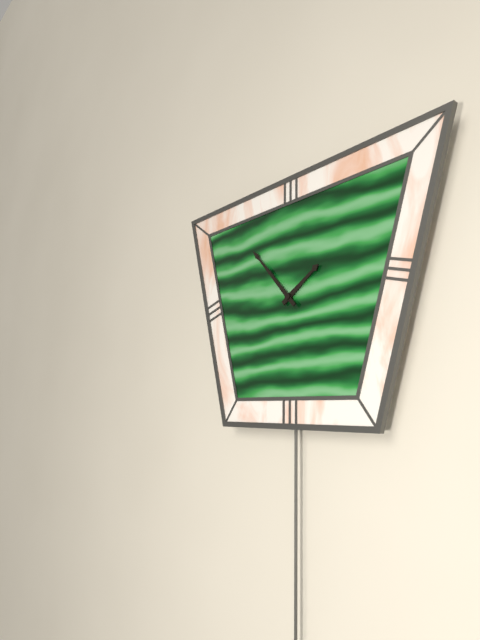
{"hour": 1, "minute": 53}
